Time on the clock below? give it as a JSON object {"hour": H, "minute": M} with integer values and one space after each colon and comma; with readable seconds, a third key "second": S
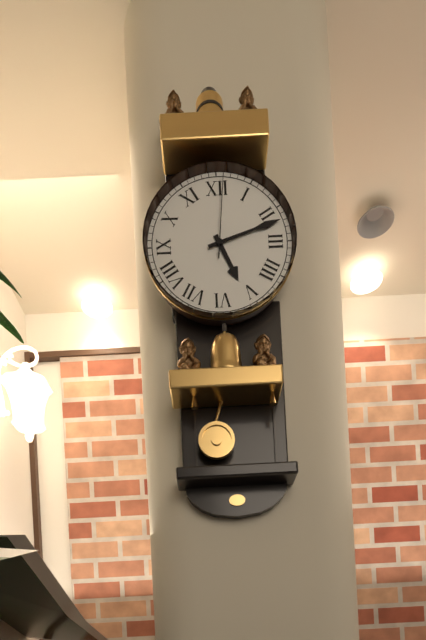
{"hour": 5, "minute": 12, "second": 1}
